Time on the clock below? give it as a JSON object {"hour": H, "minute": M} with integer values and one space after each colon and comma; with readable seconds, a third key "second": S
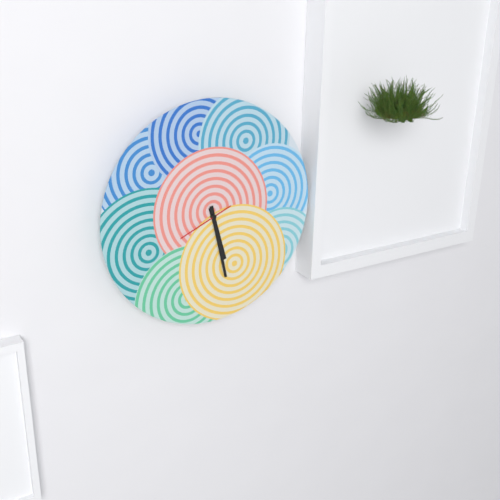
{"hour": 5, "minute": 28}
